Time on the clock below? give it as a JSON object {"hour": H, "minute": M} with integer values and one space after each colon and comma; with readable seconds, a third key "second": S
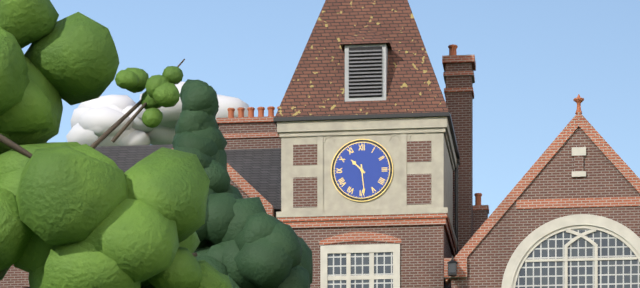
{"hour": 10, "minute": 29}
